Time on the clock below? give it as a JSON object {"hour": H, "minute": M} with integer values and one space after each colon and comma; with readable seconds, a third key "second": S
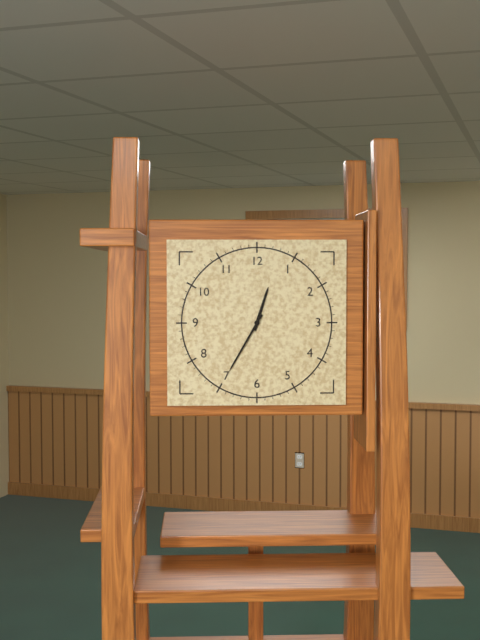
{"hour": 12, "minute": 35}
